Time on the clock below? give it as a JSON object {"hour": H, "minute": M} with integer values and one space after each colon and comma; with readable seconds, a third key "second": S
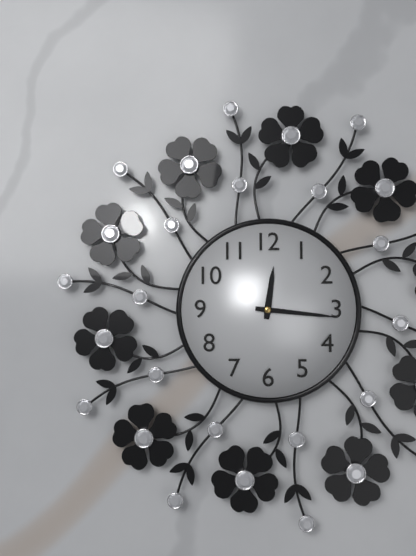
{"hour": 12, "minute": 16}
